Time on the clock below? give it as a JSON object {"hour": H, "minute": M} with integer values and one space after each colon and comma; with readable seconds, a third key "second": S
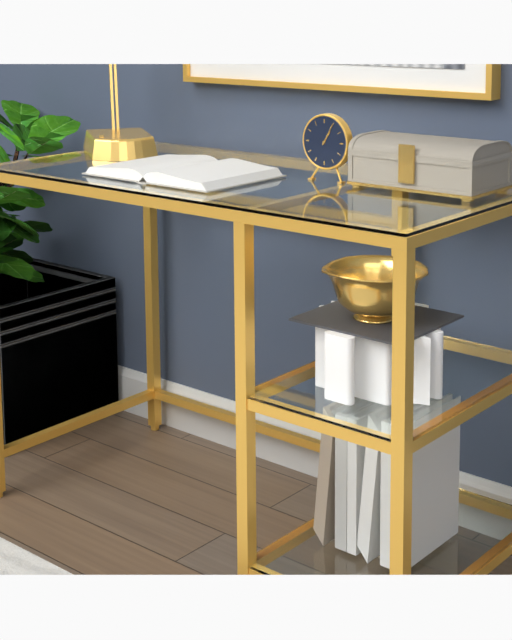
{"hour": 1, "minute": 5}
